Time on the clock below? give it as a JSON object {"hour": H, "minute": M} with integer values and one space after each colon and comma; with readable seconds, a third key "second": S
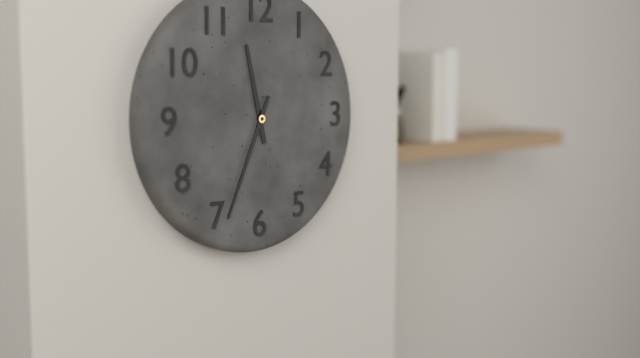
{"hour": 11, "minute": 34}
